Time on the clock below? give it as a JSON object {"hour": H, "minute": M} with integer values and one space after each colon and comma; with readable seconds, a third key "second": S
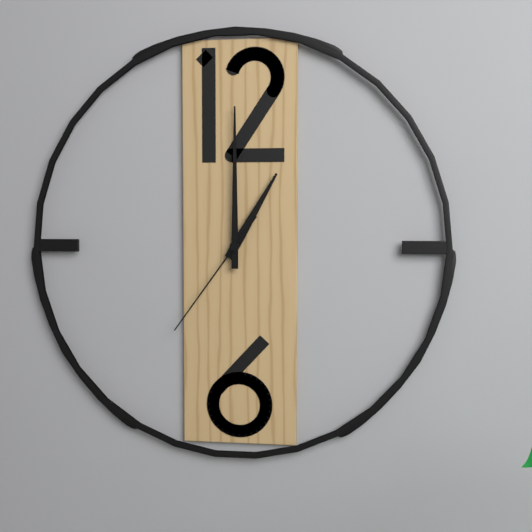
{"hour": 1, "minute": 0, "second": 36}
